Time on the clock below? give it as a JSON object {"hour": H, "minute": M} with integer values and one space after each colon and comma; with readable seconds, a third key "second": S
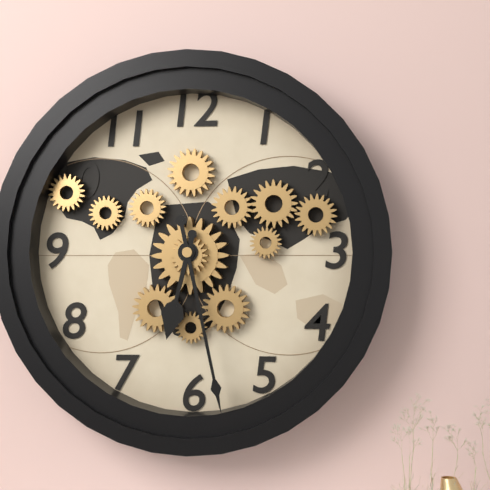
{"hour": 6, "minute": 28}
